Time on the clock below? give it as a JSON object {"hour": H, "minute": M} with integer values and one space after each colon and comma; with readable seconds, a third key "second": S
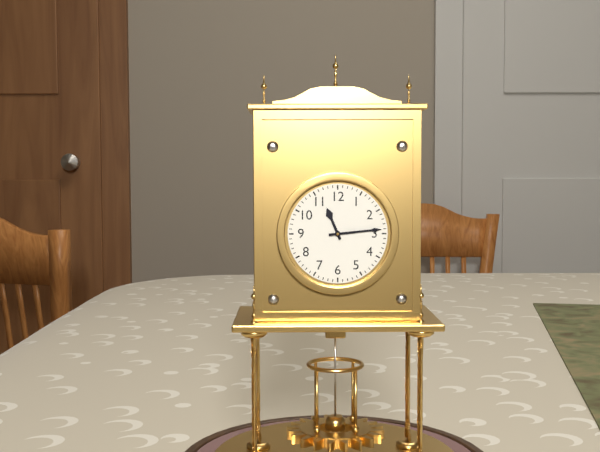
{"hour": 11, "minute": 14}
